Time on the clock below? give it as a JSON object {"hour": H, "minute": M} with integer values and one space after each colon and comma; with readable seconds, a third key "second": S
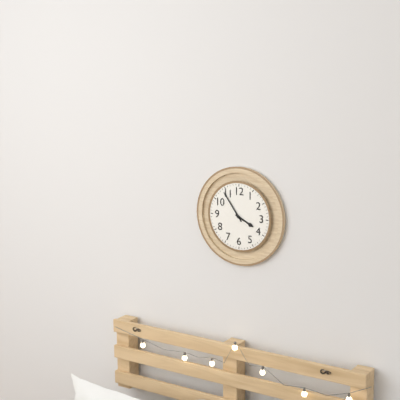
{"hour": 3, "minute": 54}
